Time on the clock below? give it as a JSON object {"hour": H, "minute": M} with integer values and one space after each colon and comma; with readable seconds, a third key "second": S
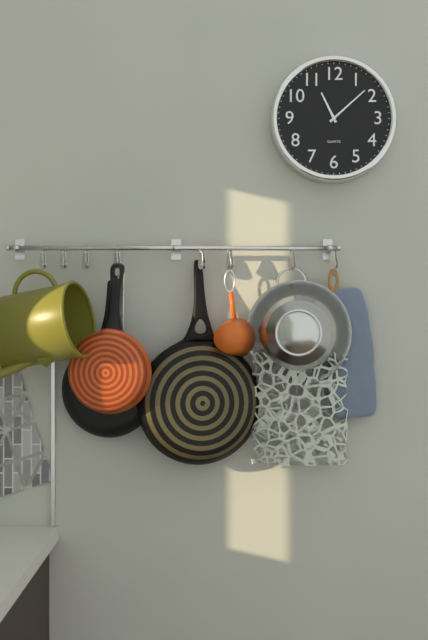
{"hour": 11, "minute": 8}
